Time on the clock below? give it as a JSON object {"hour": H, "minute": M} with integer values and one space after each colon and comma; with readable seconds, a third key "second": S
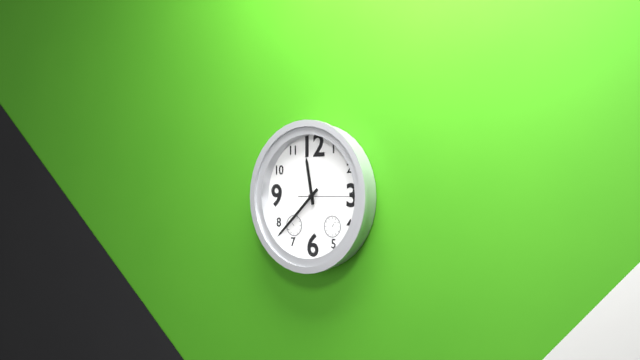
{"hour": 11, "minute": 38, "second": 15}
